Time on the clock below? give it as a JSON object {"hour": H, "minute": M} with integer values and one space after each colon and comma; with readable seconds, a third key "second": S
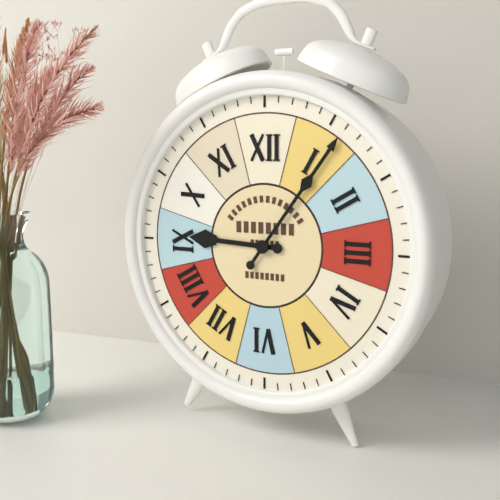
{"hour": 9, "minute": 6}
